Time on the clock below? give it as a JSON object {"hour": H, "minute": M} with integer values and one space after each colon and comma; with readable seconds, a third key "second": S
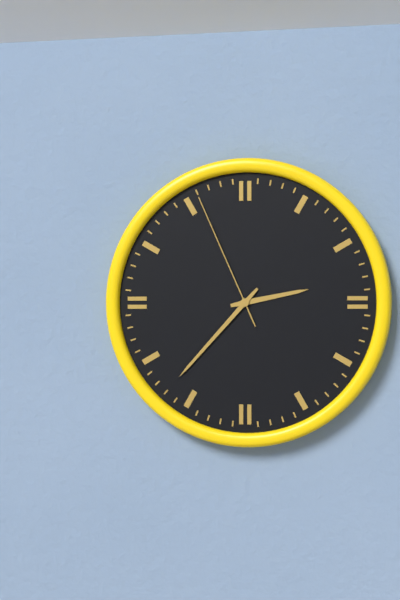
{"hour": 2, "minute": 37, "second": 56}
